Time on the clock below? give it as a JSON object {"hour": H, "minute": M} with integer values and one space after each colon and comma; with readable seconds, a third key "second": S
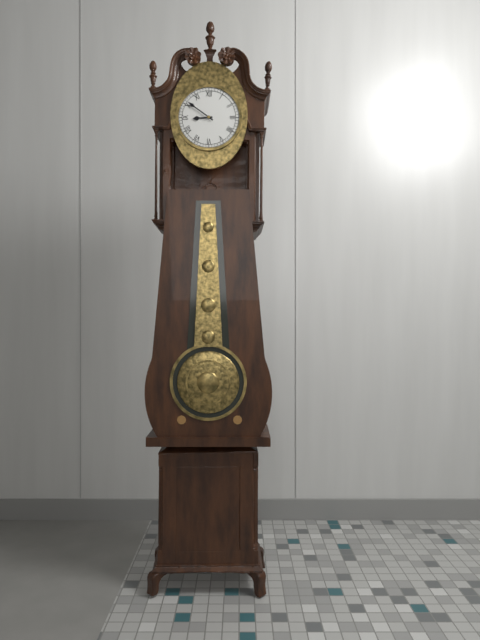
{"hour": 8, "minute": 51}
